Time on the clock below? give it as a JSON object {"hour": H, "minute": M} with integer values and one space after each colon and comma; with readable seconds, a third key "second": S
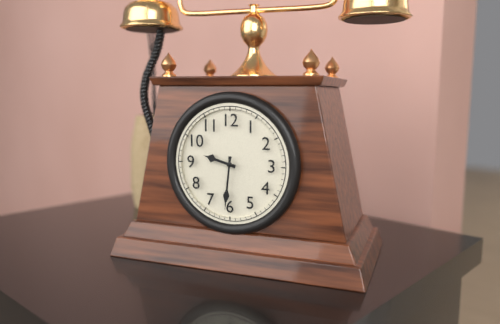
{"hour": 9, "minute": 31}
